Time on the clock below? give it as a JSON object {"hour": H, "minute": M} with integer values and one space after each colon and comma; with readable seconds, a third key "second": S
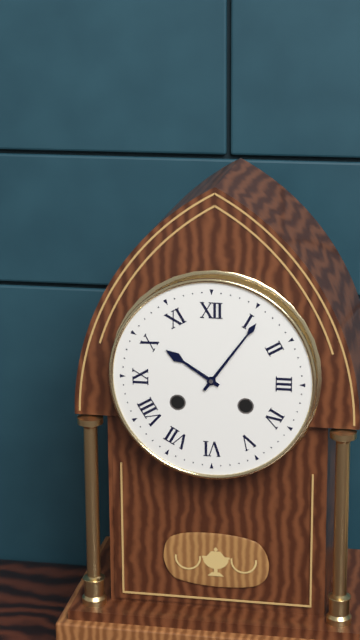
{"hour": 10, "minute": 6}
